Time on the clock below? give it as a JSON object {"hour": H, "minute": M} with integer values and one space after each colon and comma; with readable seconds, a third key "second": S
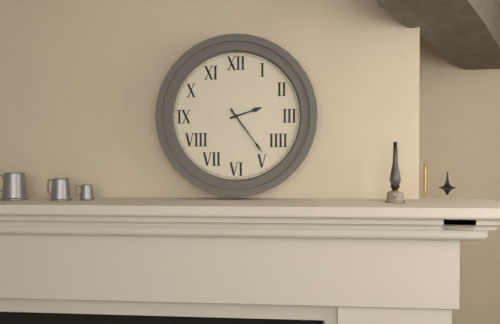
{"hour": 2, "minute": 24}
